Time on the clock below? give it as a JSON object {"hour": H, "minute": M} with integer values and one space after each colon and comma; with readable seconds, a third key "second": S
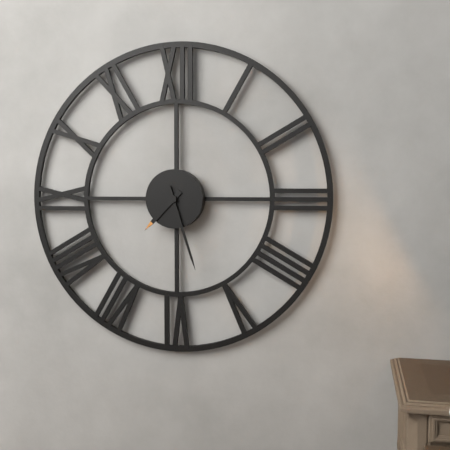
{"hour": 7, "minute": 27}
